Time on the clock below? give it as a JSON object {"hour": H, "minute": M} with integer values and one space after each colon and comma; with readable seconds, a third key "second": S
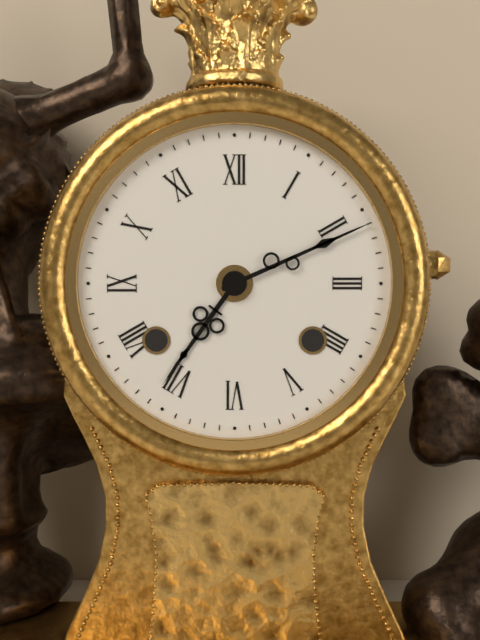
{"hour": 7, "minute": 11}
